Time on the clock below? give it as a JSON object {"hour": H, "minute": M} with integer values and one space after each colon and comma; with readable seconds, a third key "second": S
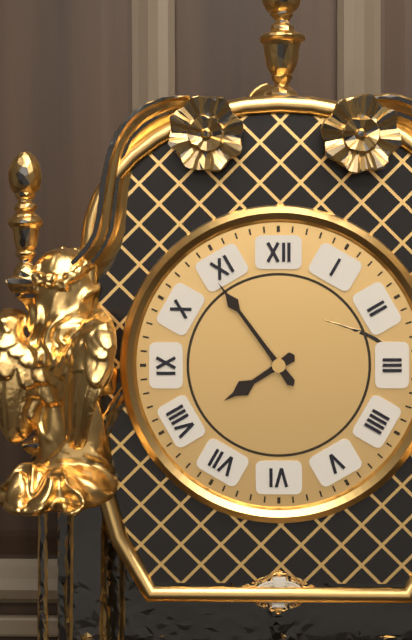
{"hour": 7, "minute": 54}
